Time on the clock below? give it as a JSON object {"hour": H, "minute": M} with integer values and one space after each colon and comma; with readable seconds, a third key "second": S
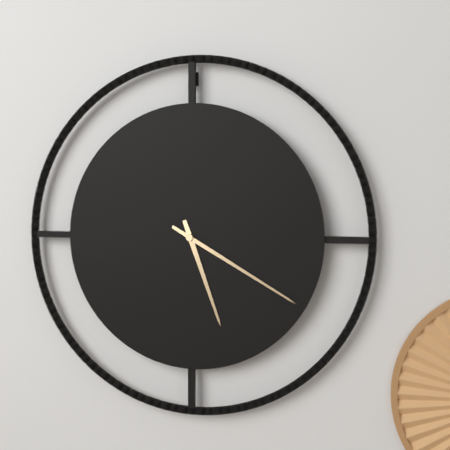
{"hour": 5, "minute": 20}
